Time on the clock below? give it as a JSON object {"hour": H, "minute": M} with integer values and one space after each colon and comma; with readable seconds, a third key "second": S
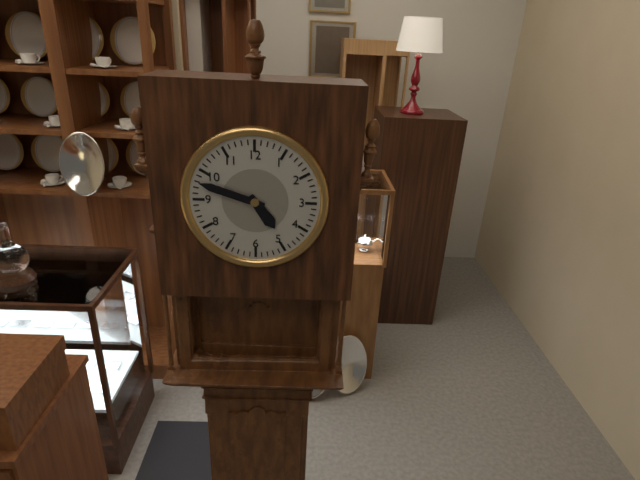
{"hour": 4, "minute": 48}
